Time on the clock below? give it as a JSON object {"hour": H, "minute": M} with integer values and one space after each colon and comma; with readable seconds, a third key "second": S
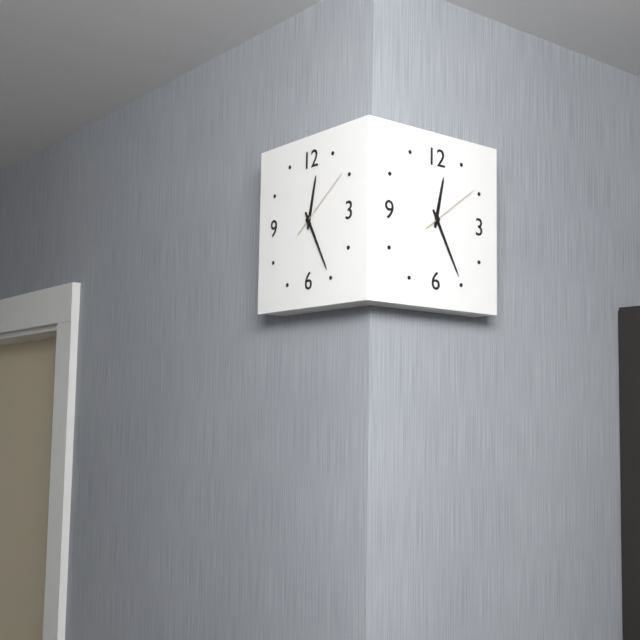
{"hour": 12, "minute": 25, "second": 9}
